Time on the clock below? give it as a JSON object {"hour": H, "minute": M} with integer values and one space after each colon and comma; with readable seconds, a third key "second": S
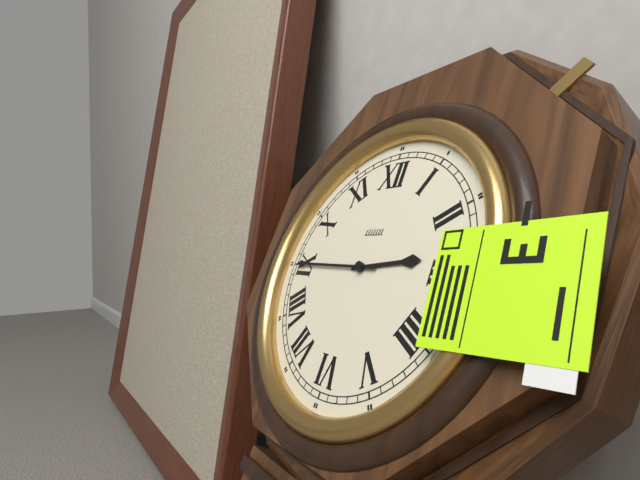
{"hour": 2, "minute": 45}
